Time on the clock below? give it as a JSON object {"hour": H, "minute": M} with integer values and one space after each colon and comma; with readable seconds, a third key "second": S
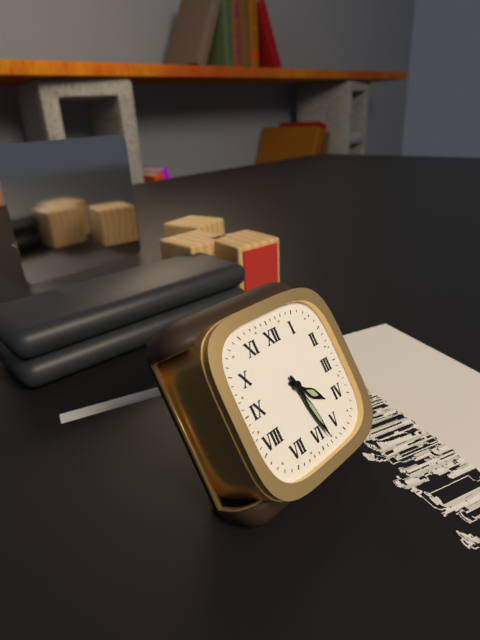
{"hour": 4, "minute": 28}
